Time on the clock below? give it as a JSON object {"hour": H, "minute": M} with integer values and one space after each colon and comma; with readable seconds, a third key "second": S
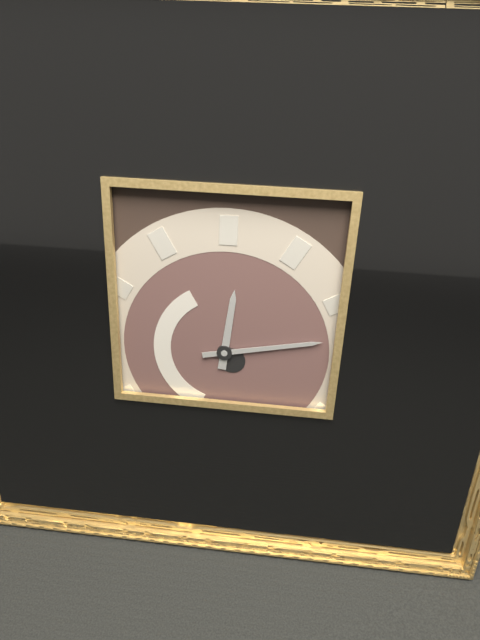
{"hour": 12, "minute": 13}
